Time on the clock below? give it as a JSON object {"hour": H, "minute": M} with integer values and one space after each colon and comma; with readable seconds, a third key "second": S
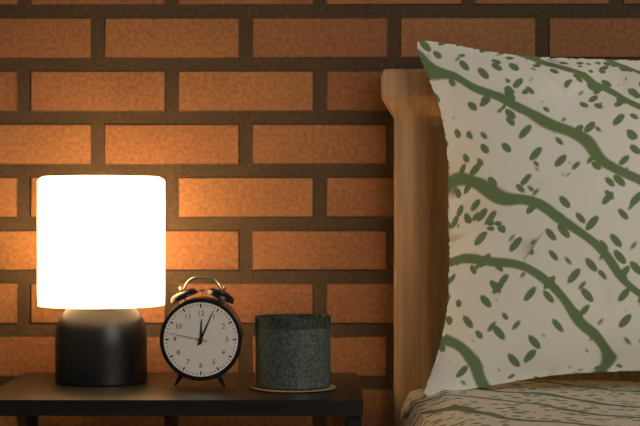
{"hour": 12, "minute": 4}
